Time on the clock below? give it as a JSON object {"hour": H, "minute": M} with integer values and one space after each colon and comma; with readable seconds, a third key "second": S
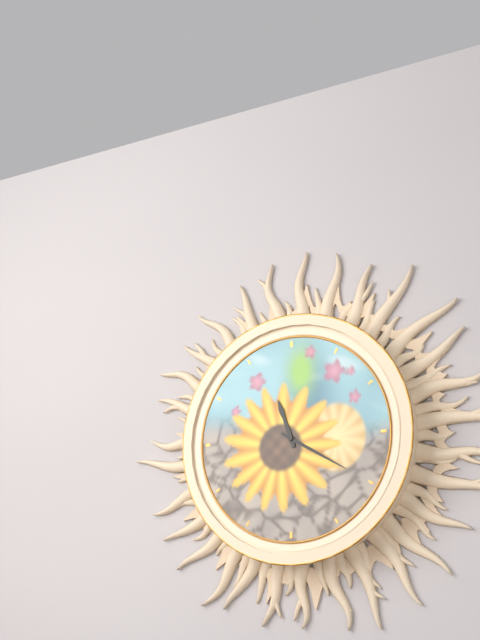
{"hour": 11, "minute": 20}
